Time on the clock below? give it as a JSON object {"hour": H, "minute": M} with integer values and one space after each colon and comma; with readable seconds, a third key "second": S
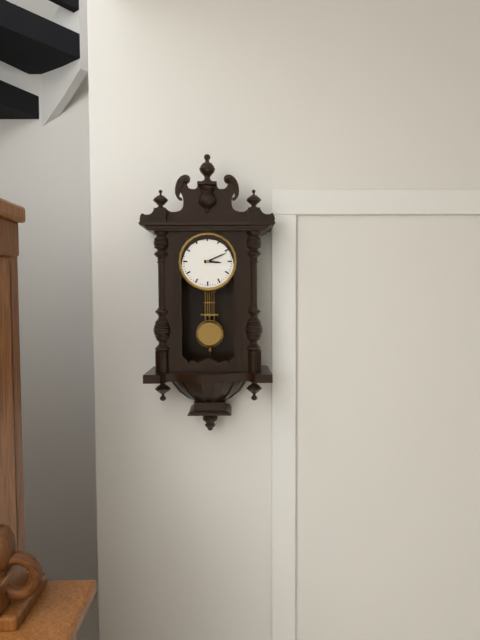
{"hour": 3, "minute": 11}
